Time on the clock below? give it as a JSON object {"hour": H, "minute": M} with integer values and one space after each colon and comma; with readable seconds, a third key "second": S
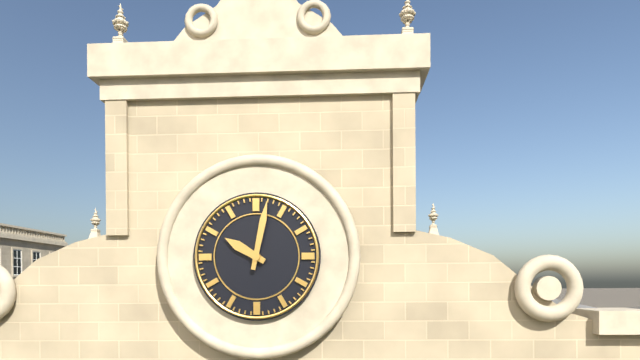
{"hour": 10, "minute": 2}
